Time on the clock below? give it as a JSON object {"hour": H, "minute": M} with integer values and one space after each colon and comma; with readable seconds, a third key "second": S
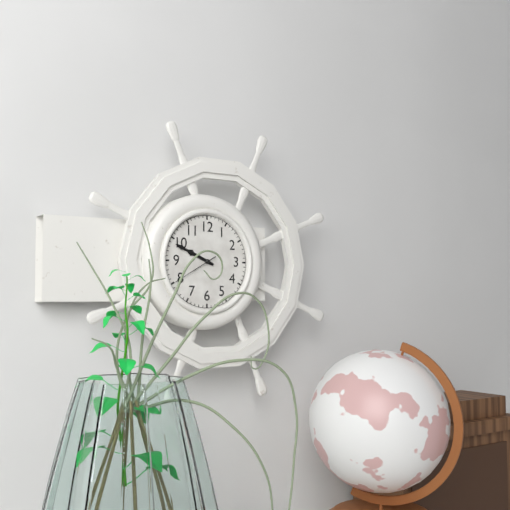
{"hour": 9, "minute": 49}
